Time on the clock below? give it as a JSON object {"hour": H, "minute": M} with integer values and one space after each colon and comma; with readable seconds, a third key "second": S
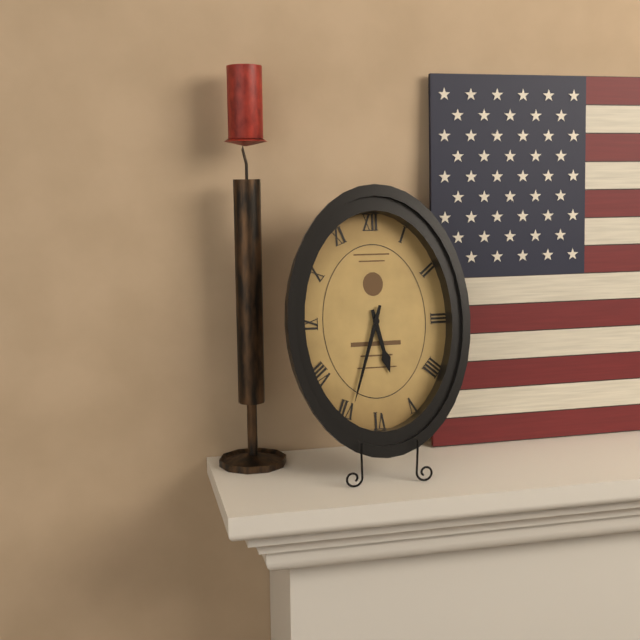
{"hour": 5, "minute": 33}
